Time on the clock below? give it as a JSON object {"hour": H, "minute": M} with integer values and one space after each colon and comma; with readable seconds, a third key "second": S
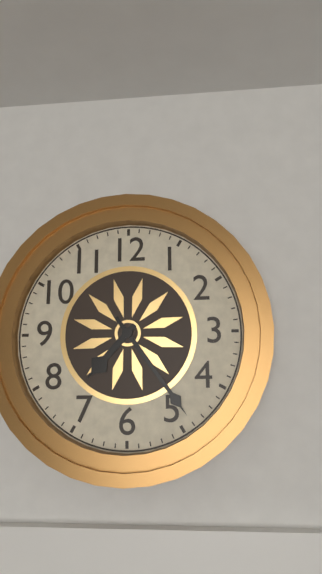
{"hour": 7, "minute": 24}
